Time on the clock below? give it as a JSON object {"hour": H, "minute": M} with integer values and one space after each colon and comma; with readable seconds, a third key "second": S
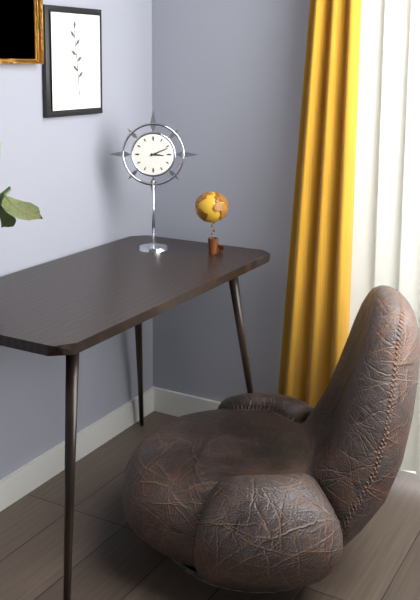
{"hour": 3, "minute": 11}
